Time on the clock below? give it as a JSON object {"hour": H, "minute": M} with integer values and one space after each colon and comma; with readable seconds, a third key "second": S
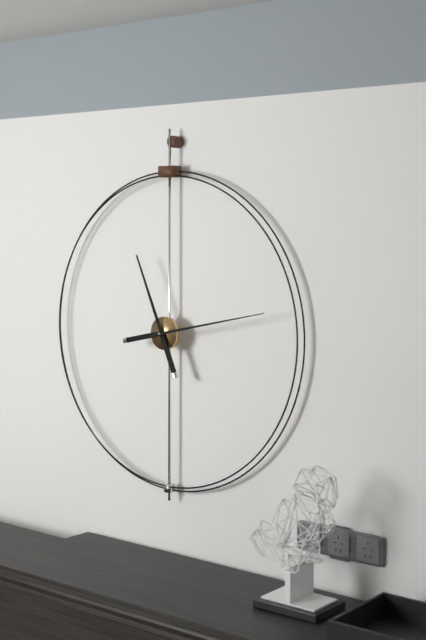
{"hour": 11, "minute": 13}
